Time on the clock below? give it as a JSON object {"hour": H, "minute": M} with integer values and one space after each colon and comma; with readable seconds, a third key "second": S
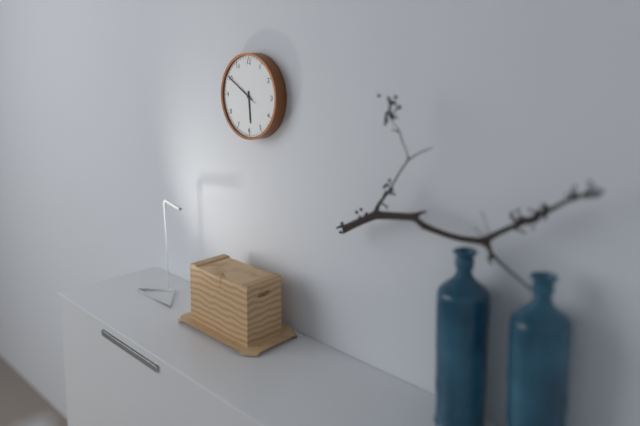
{"hour": 5, "minute": 50}
